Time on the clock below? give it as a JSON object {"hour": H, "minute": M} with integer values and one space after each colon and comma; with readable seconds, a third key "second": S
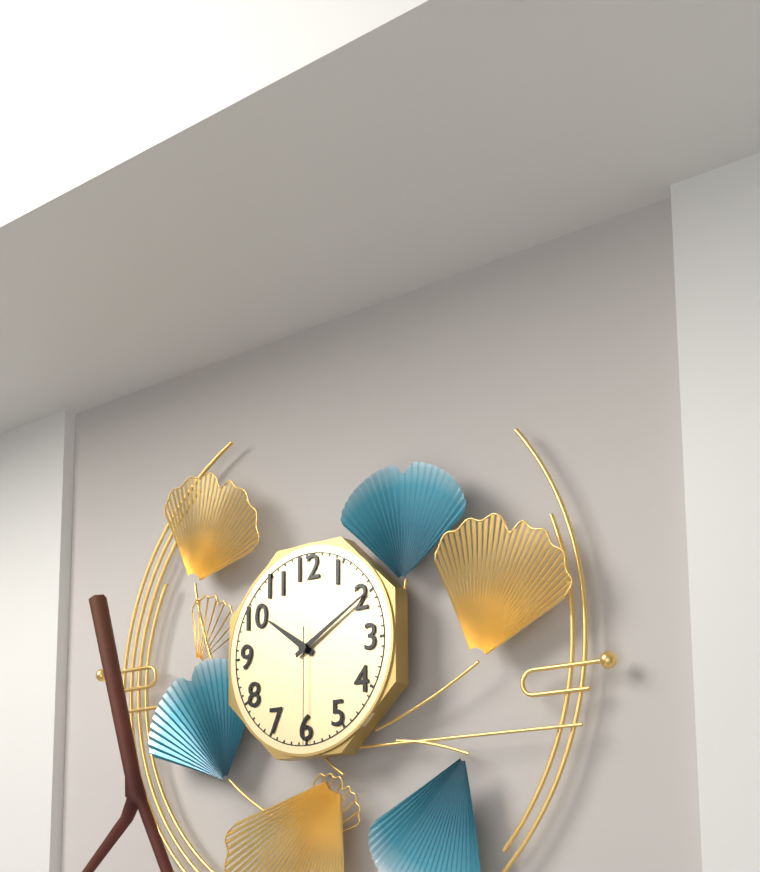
{"hour": 10, "minute": 10, "second": 30}
